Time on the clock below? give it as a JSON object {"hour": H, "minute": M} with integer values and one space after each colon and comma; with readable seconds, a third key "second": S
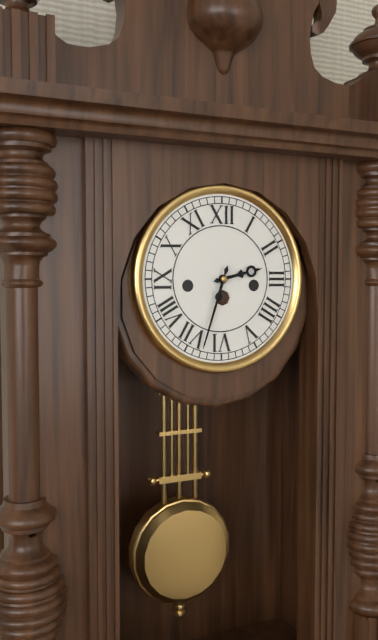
{"hour": 2, "minute": 33}
